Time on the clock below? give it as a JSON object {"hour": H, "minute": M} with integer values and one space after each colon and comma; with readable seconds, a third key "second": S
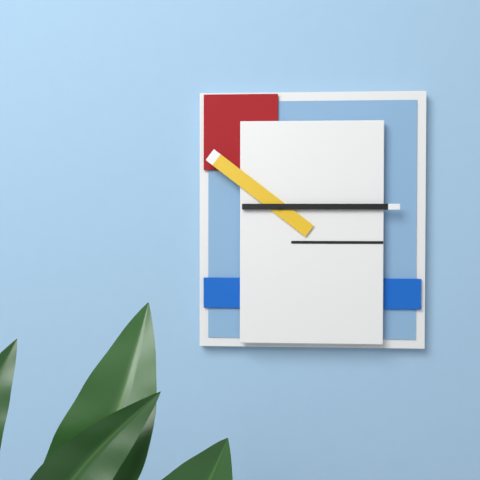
{"hour": 10, "minute": 15}
